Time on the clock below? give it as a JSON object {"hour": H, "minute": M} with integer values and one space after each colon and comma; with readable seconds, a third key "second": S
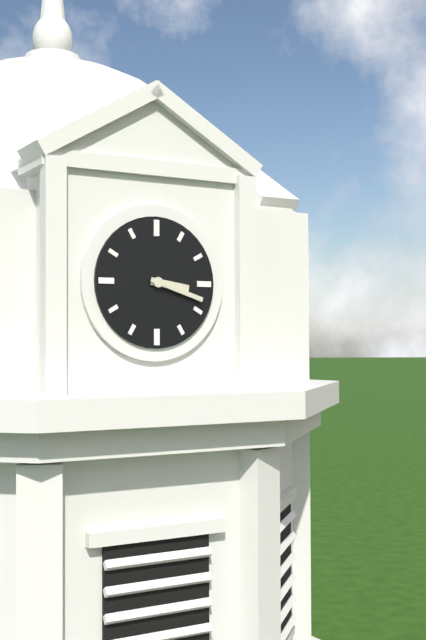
{"hour": 3, "minute": 18}
